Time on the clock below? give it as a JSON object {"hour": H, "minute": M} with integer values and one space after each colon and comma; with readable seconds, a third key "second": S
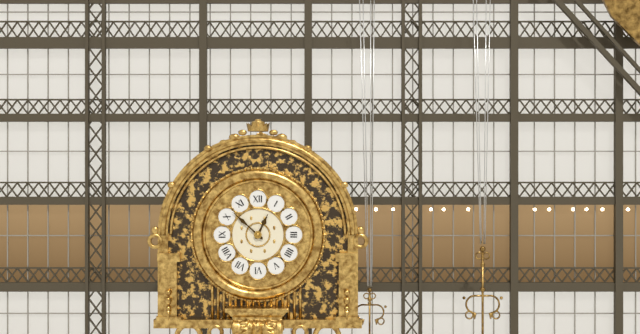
{"hour": 12, "minute": 52}
